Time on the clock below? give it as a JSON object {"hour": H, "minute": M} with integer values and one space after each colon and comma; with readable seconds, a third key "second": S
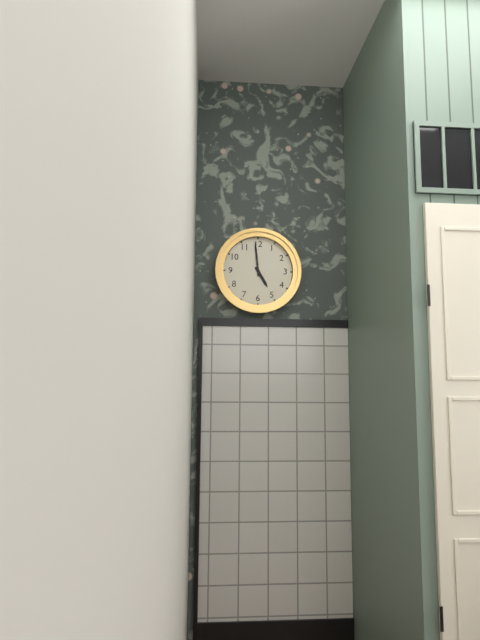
{"hour": 4, "minute": 59}
